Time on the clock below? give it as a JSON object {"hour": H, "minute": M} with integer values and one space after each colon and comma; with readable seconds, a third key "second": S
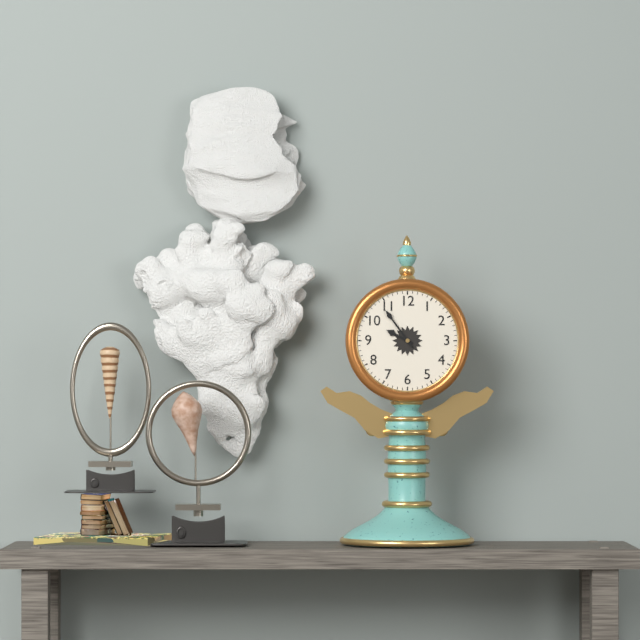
{"hour": 9, "minute": 54}
